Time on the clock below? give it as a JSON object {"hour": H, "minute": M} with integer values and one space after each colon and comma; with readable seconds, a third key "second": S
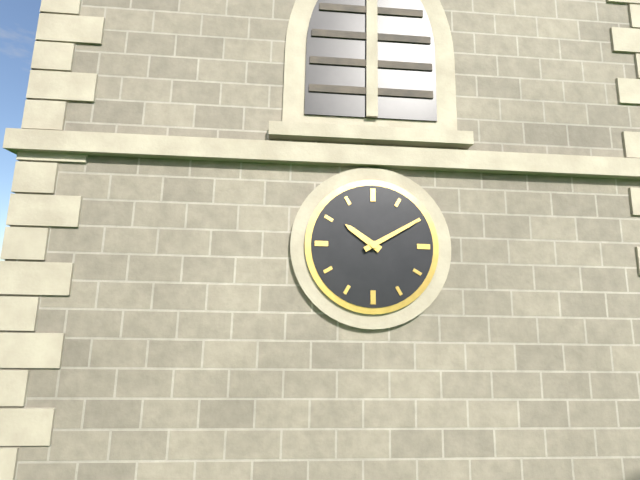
{"hour": 10, "minute": 10}
